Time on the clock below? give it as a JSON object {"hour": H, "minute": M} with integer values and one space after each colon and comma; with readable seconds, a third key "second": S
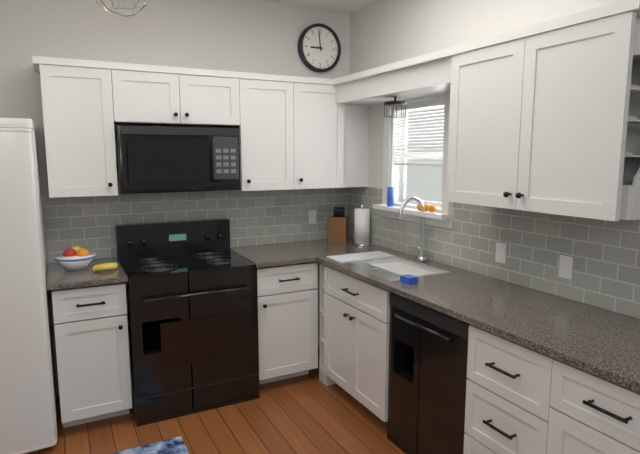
{"hour": 8, "minute": 59}
